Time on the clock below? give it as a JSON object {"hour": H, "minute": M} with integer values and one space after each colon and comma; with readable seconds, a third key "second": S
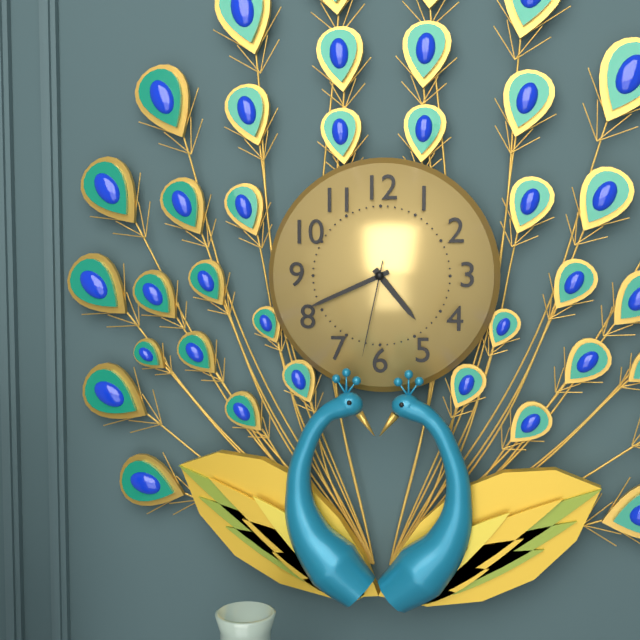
{"hour": 4, "minute": 41, "second": 32}
